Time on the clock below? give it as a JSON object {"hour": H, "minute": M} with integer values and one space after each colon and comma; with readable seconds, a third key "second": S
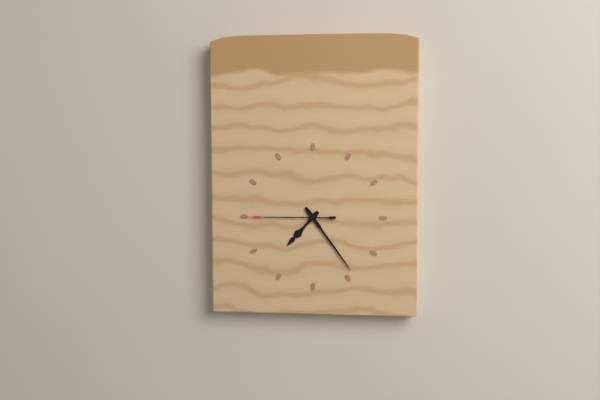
{"hour": 7, "minute": 24, "second": 45}
